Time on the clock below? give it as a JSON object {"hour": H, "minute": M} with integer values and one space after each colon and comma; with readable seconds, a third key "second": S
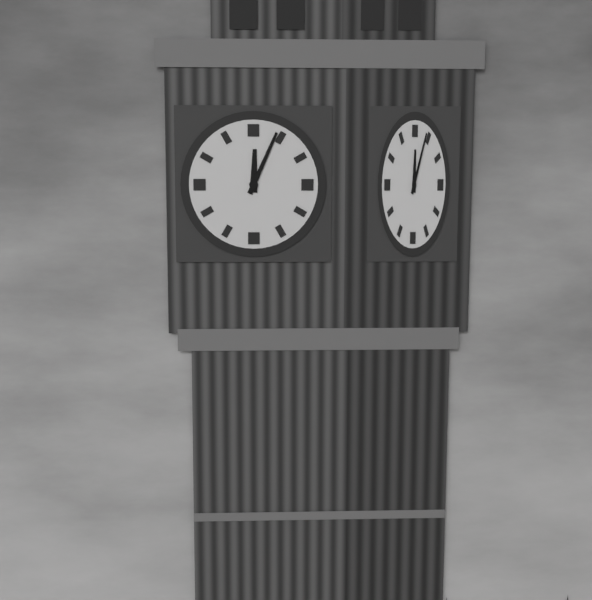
{"hour": 12, "minute": 4}
